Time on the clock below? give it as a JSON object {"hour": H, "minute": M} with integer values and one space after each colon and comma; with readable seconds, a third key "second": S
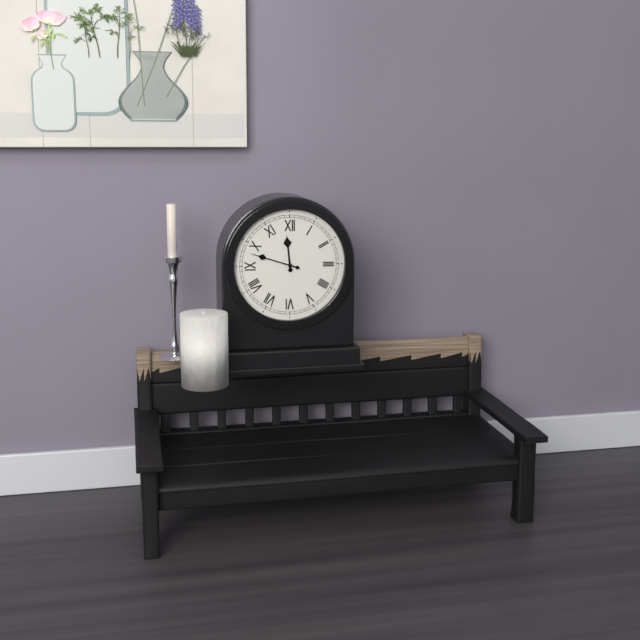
{"hour": 11, "minute": 48}
